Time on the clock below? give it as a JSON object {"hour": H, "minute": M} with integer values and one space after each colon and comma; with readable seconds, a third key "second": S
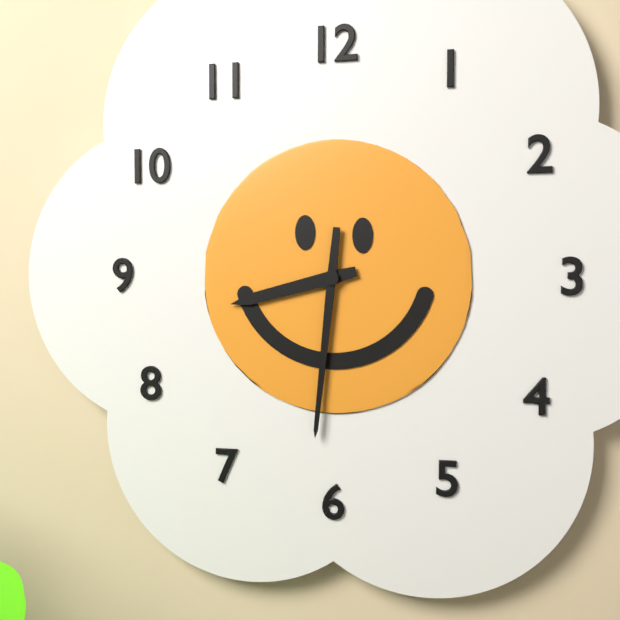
{"hour": 8, "minute": 31}
